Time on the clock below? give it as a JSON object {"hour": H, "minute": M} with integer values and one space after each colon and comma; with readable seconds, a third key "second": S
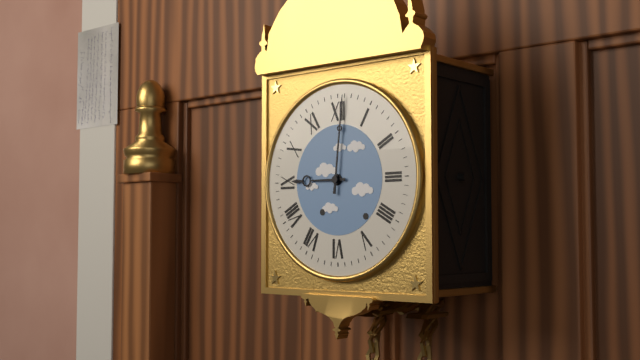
{"hour": 9, "minute": 1}
